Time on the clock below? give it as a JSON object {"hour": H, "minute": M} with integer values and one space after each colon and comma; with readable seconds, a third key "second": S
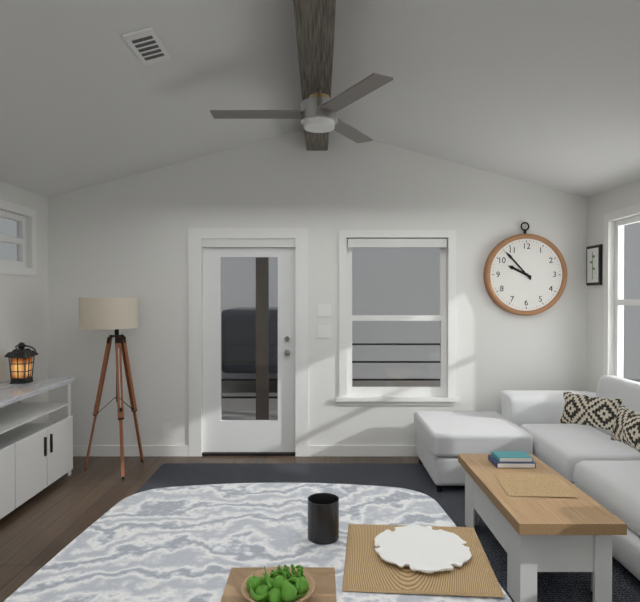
{"hour": 9, "minute": 53}
